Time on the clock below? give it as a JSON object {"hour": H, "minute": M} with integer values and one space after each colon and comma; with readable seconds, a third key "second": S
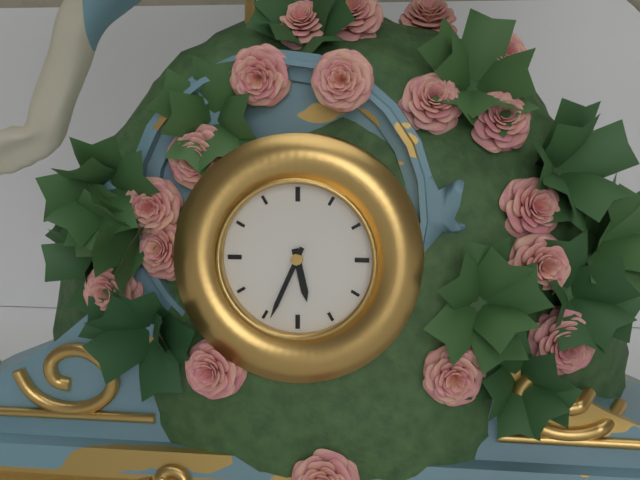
{"hour": 5, "minute": 34}
